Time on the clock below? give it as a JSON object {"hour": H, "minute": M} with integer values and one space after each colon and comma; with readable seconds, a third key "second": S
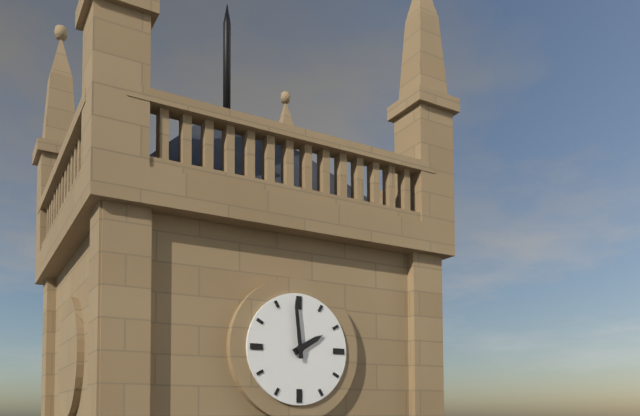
{"hour": 1, "minute": 59}
